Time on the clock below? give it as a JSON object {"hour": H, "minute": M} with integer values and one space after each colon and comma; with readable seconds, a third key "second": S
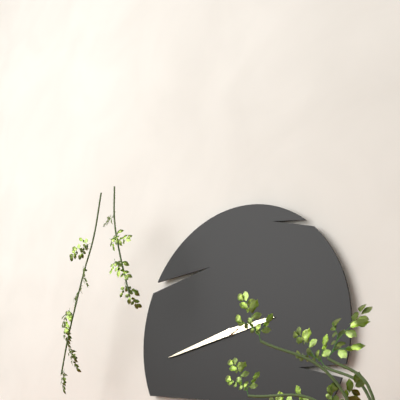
{"hour": 2, "minute": 43}
